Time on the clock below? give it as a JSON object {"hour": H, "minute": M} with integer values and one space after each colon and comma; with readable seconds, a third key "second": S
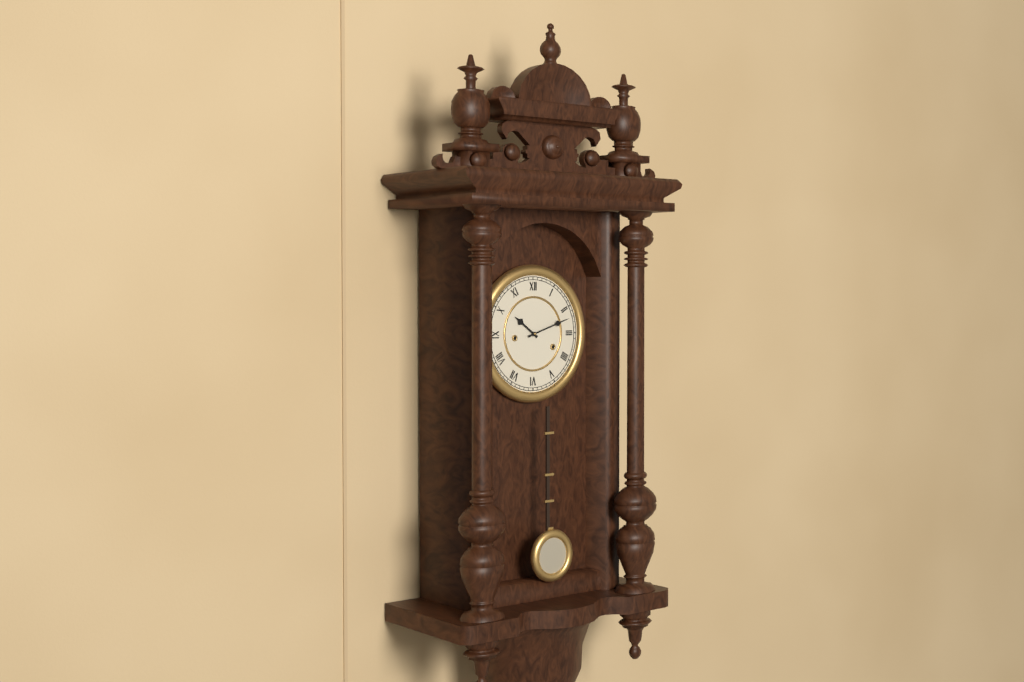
{"hour": 10, "minute": 12}
